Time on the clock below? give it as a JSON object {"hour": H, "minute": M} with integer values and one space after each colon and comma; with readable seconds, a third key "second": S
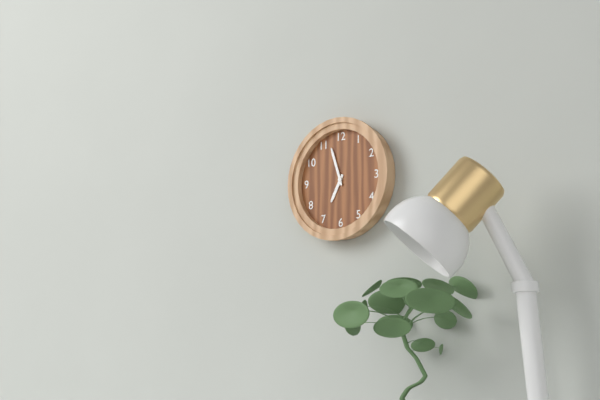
{"hour": 6, "minute": 57}
